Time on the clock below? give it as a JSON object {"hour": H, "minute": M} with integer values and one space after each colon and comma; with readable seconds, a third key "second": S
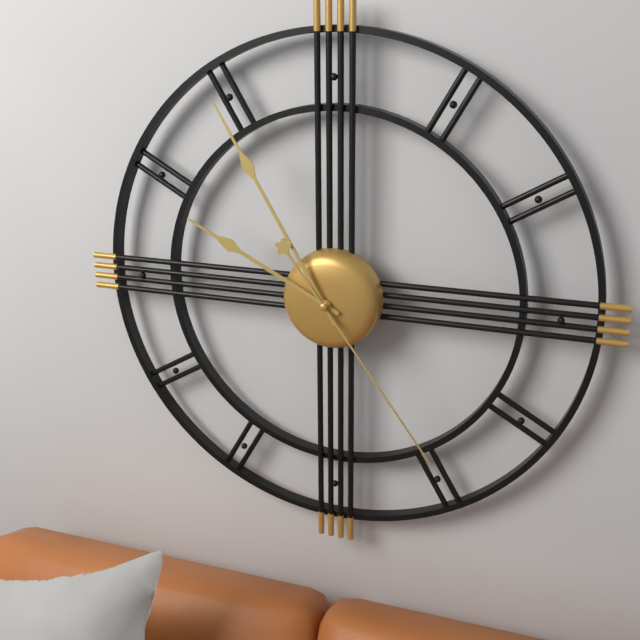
{"hour": 9, "minute": 55, "second": 24}
